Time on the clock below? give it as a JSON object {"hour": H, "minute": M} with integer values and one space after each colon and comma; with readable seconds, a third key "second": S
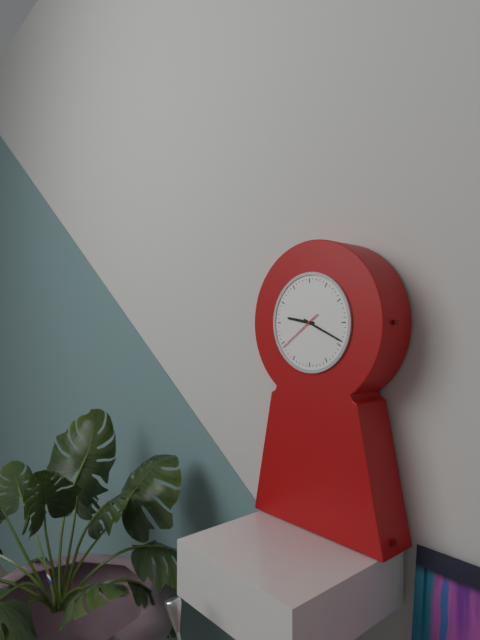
{"hour": 9, "minute": 19}
